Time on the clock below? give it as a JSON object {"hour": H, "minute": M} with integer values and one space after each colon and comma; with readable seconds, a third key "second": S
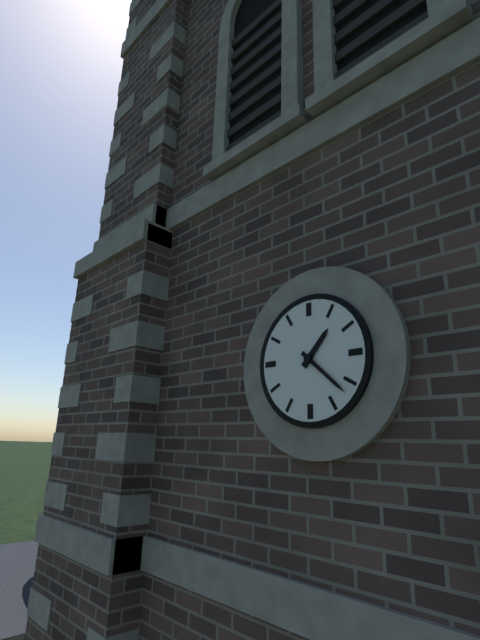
{"hour": 1, "minute": 22}
